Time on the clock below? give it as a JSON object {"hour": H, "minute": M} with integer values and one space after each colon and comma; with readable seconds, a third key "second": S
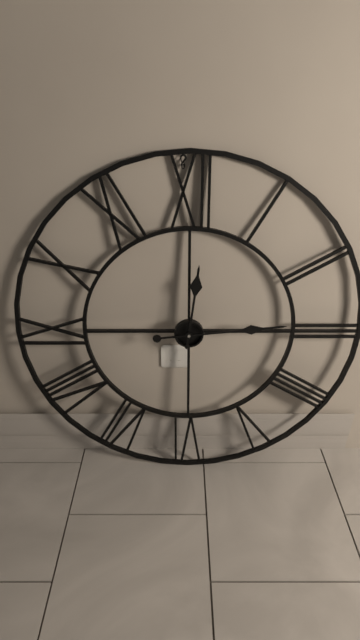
{"hour": 12, "minute": 14}
